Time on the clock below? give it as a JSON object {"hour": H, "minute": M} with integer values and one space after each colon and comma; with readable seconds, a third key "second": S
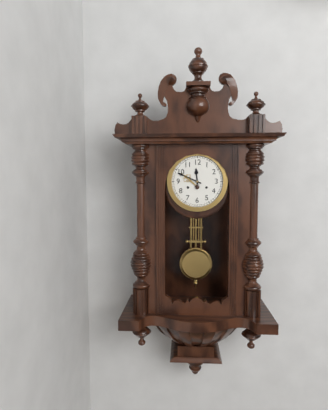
{"hour": 11, "minute": 49}
